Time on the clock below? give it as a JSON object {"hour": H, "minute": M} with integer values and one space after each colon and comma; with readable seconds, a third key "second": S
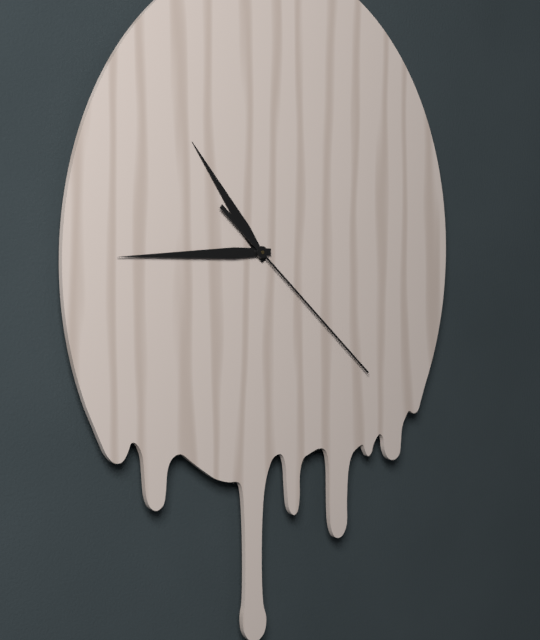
{"hour": 10, "minute": 45, "second": 22}
